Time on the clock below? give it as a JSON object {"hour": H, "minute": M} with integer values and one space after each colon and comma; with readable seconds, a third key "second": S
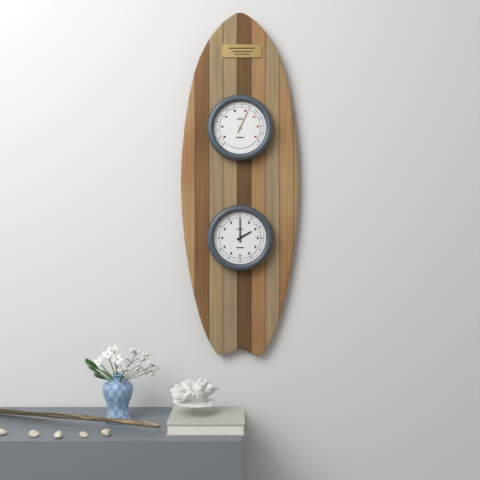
{"hour": 2, "minute": 0}
